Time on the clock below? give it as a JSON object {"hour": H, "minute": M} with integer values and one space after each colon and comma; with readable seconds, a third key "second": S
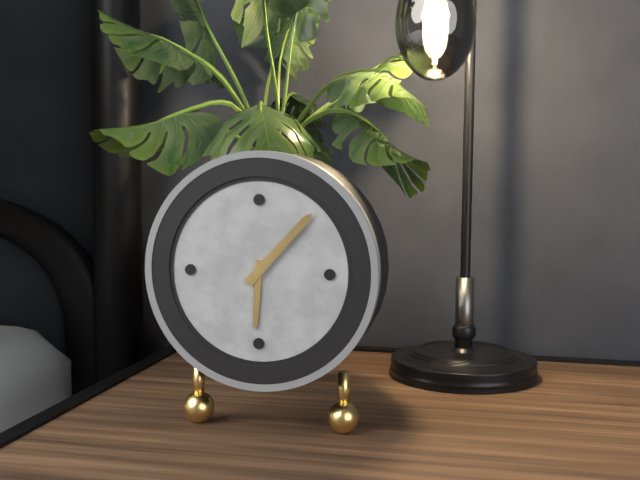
{"hour": 6, "minute": 7}
